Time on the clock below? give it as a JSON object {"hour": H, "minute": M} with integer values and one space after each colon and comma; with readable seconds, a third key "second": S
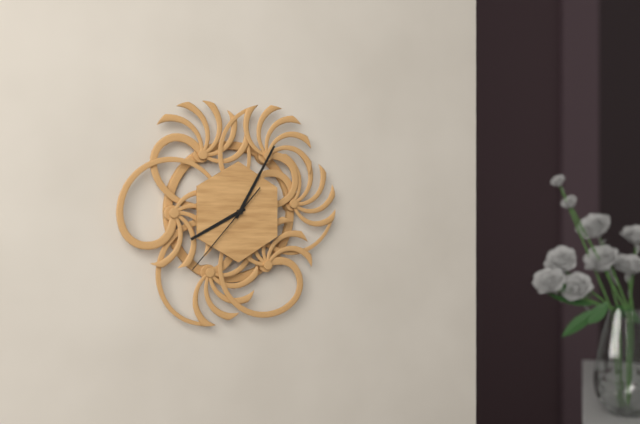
{"hour": 8, "minute": 5, "second": 37}
